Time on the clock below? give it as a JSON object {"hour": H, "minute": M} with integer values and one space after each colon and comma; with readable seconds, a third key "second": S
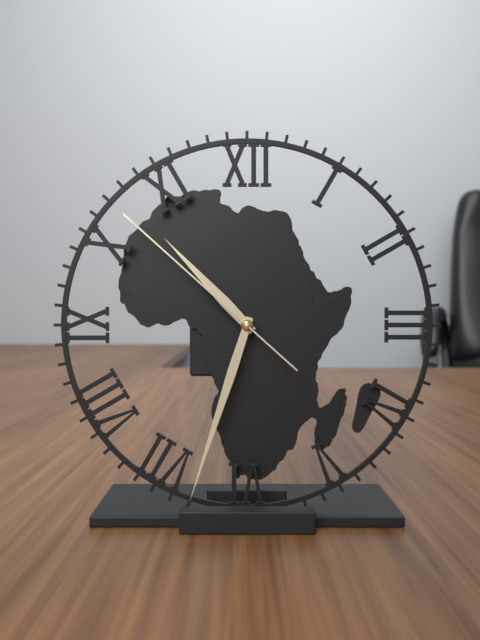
{"hour": 10, "minute": 33, "second": 52}
